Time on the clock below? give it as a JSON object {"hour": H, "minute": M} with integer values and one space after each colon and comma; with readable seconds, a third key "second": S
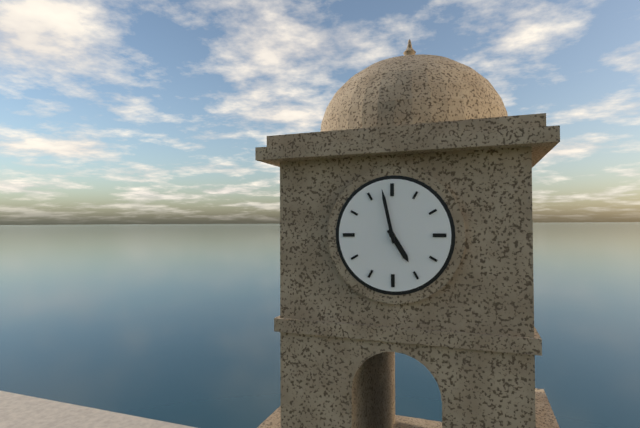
{"hour": 4, "minute": 58}
